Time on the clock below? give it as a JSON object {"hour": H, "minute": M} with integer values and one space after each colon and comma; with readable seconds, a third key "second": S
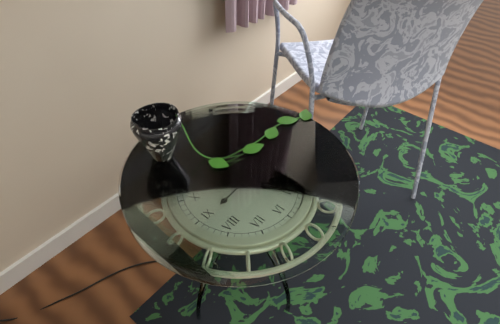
{"hour": 8, "minute": 53}
